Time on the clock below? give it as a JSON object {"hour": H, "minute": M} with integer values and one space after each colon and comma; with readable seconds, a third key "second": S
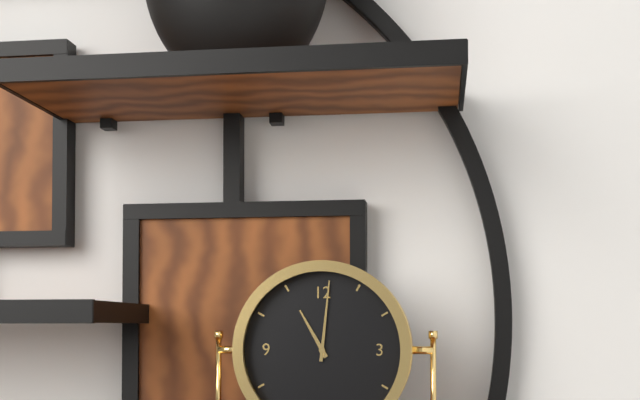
{"hour": 11, "minute": 1}
